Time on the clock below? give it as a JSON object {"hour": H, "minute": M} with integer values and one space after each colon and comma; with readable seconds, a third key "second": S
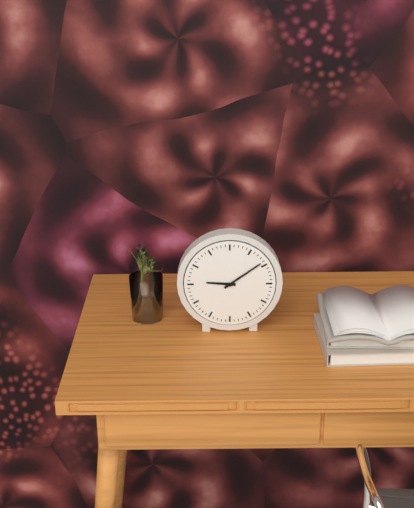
{"hour": 9, "minute": 9}
